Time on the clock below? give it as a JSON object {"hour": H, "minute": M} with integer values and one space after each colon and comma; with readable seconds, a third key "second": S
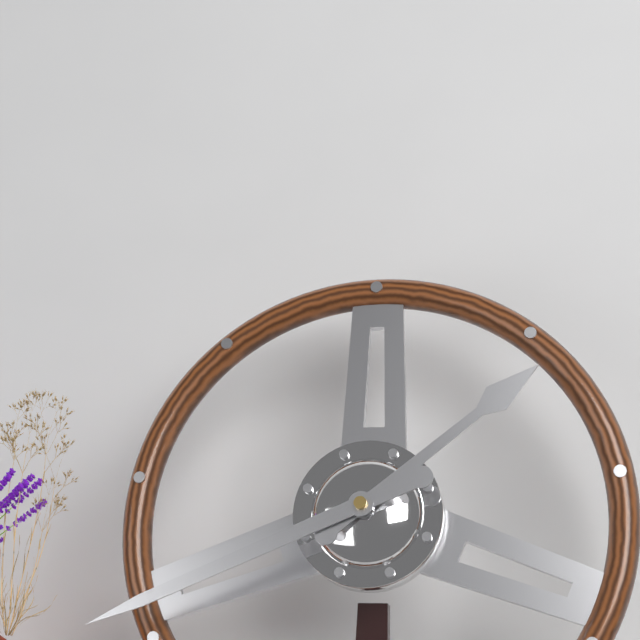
{"hour": 1, "minute": 41}
